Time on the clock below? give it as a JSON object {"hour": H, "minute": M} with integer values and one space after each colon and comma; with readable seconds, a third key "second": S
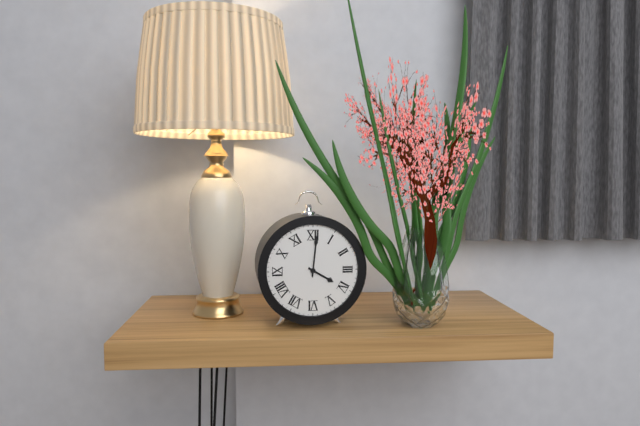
{"hour": 4, "minute": 1}
